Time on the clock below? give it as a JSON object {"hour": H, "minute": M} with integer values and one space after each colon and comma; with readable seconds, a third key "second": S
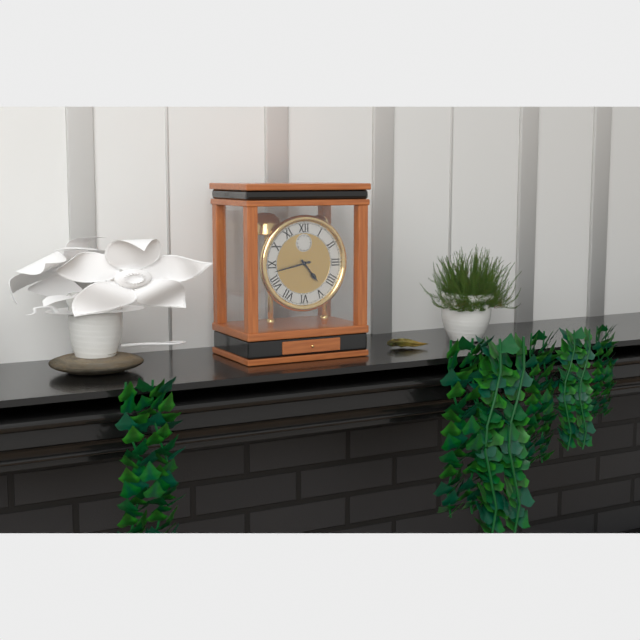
{"hour": 4, "minute": 43}
